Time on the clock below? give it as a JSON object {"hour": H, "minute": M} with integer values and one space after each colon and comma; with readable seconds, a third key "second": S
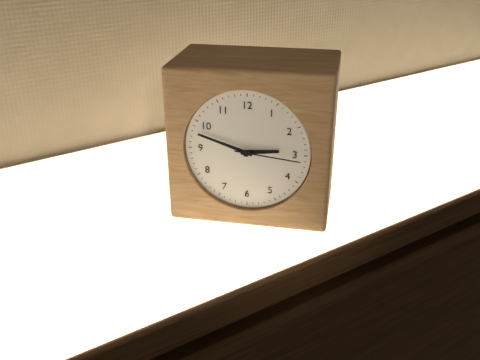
{"hour": 2, "minute": 48, "second": 16}
